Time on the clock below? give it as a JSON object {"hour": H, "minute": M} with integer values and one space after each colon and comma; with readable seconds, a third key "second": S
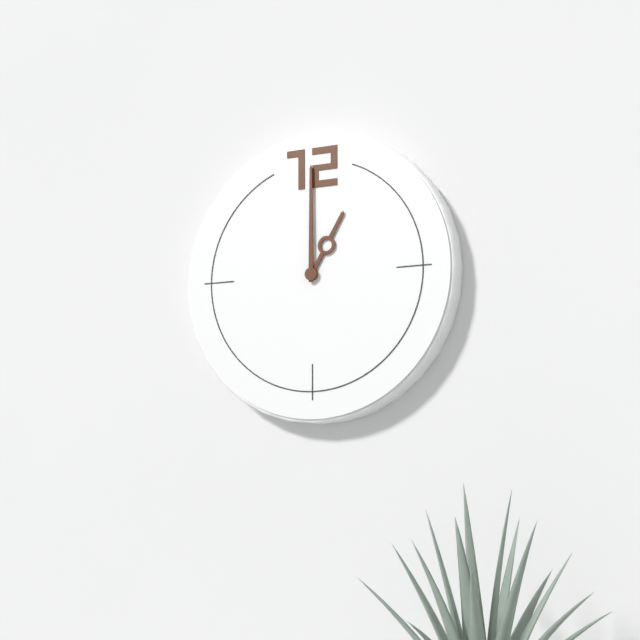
{"hour": 1, "minute": 0}
